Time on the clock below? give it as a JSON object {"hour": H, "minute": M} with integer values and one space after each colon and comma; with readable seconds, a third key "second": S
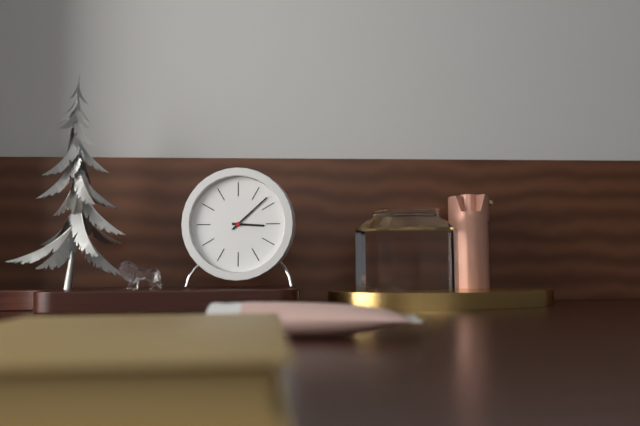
{"hour": 3, "minute": 8}
